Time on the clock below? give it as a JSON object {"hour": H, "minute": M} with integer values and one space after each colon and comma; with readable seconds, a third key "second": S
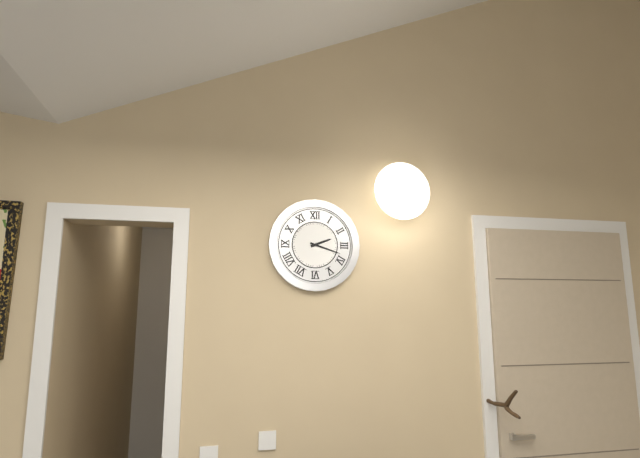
{"hour": 2, "minute": 18}
